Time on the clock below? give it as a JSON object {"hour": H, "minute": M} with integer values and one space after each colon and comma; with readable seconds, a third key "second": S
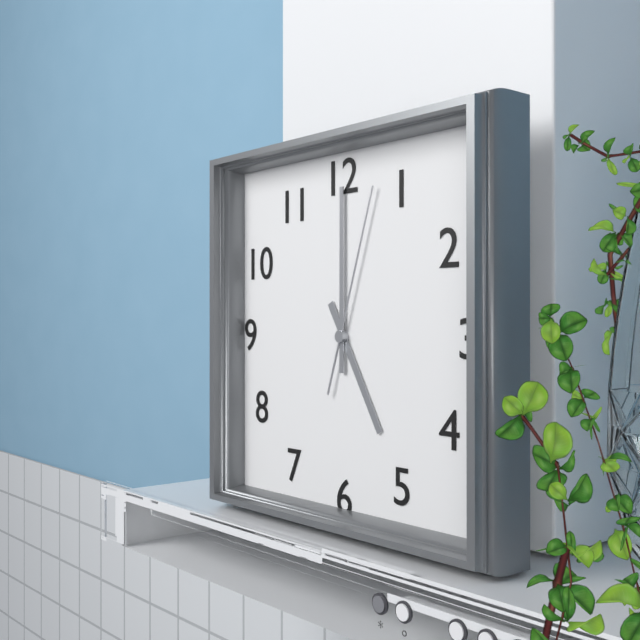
{"hour": 5, "minute": 0, "second": 3}
